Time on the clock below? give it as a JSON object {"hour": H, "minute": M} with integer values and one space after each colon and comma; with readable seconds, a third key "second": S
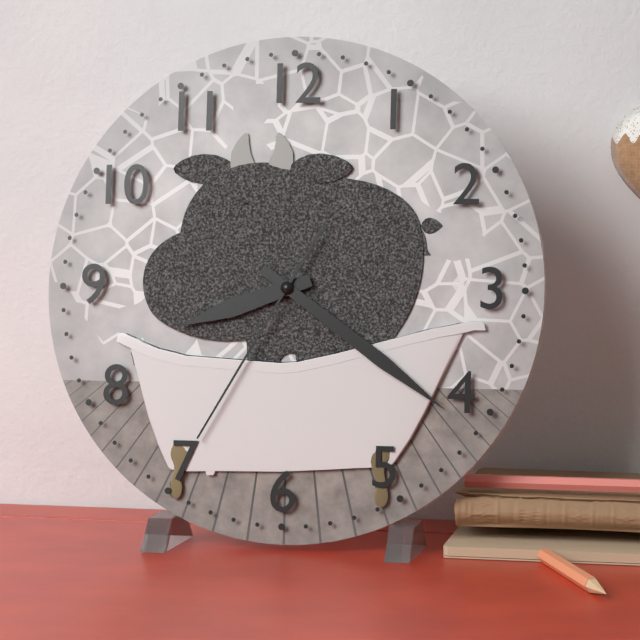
{"hour": 8, "minute": 21, "second": 35}
